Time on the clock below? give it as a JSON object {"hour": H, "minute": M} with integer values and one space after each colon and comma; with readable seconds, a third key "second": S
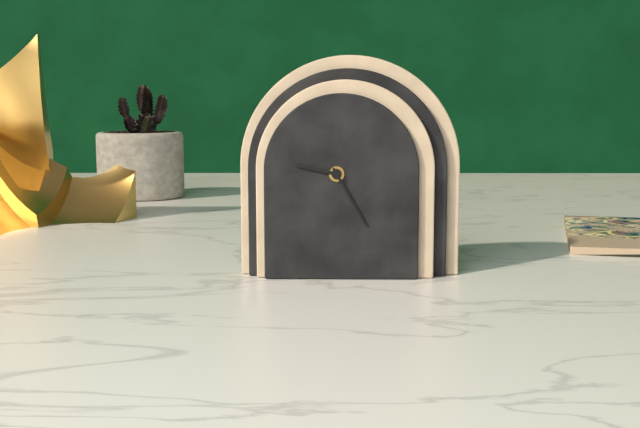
{"hour": 9, "minute": 25}
